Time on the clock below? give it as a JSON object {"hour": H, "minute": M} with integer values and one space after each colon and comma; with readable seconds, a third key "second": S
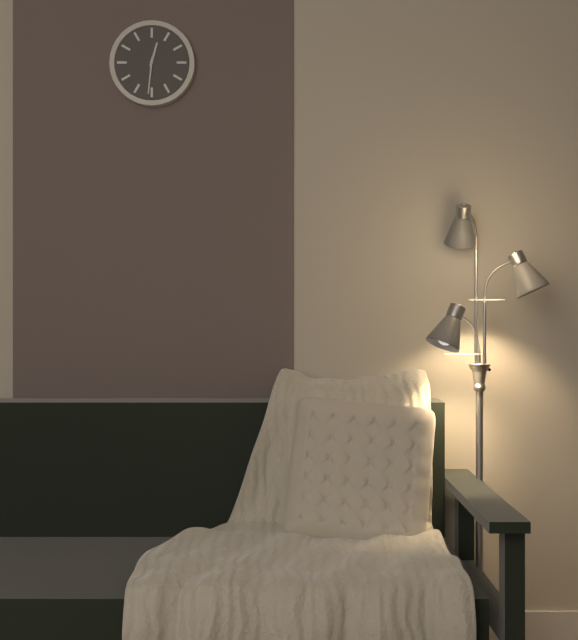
{"hour": 12, "minute": 31}
